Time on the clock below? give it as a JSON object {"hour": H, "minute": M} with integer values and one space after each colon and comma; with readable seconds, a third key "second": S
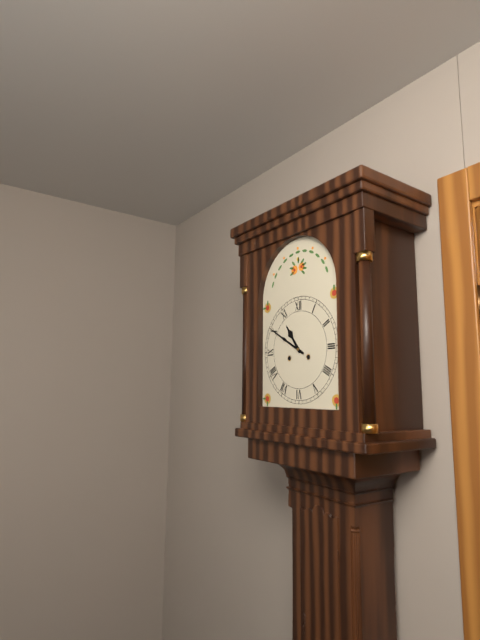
{"hour": 10, "minute": 50}
